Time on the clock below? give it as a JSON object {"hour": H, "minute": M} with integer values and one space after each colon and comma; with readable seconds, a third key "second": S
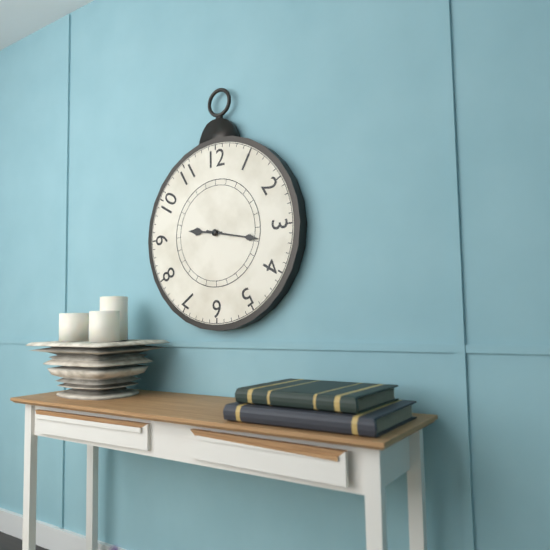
{"hour": 9, "minute": 17}
